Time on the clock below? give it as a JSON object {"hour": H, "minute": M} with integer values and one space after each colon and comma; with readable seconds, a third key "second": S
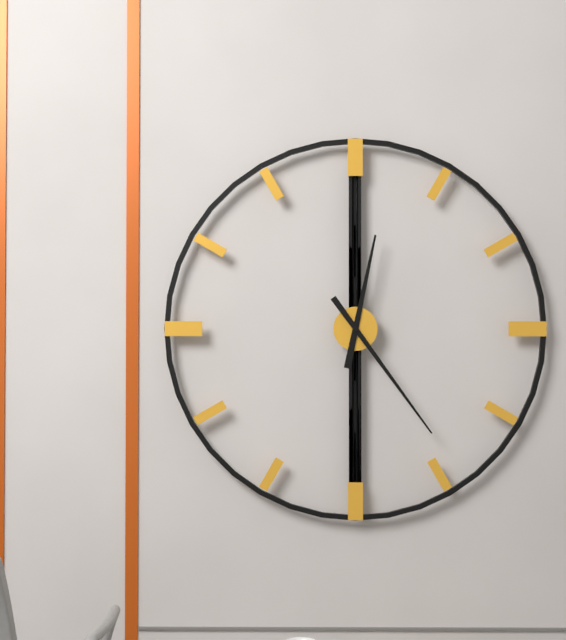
{"hour": 12, "minute": 24}
